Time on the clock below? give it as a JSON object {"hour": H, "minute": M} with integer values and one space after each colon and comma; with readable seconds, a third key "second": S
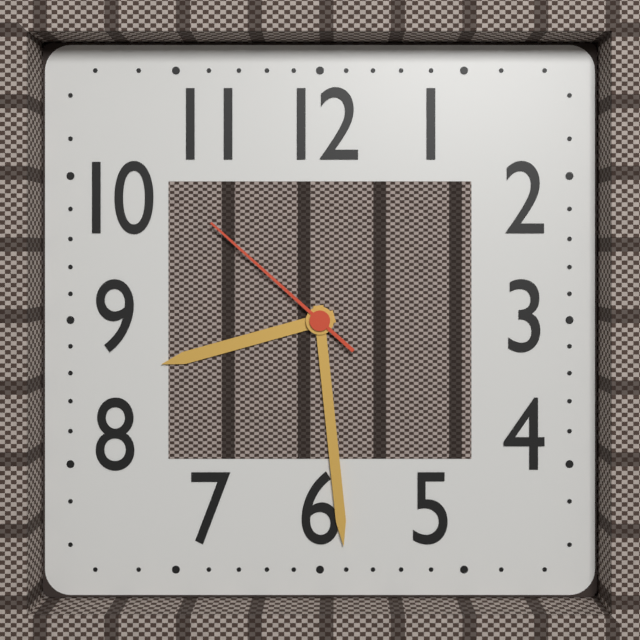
{"hour": 8, "minute": 29, "second": 52}
